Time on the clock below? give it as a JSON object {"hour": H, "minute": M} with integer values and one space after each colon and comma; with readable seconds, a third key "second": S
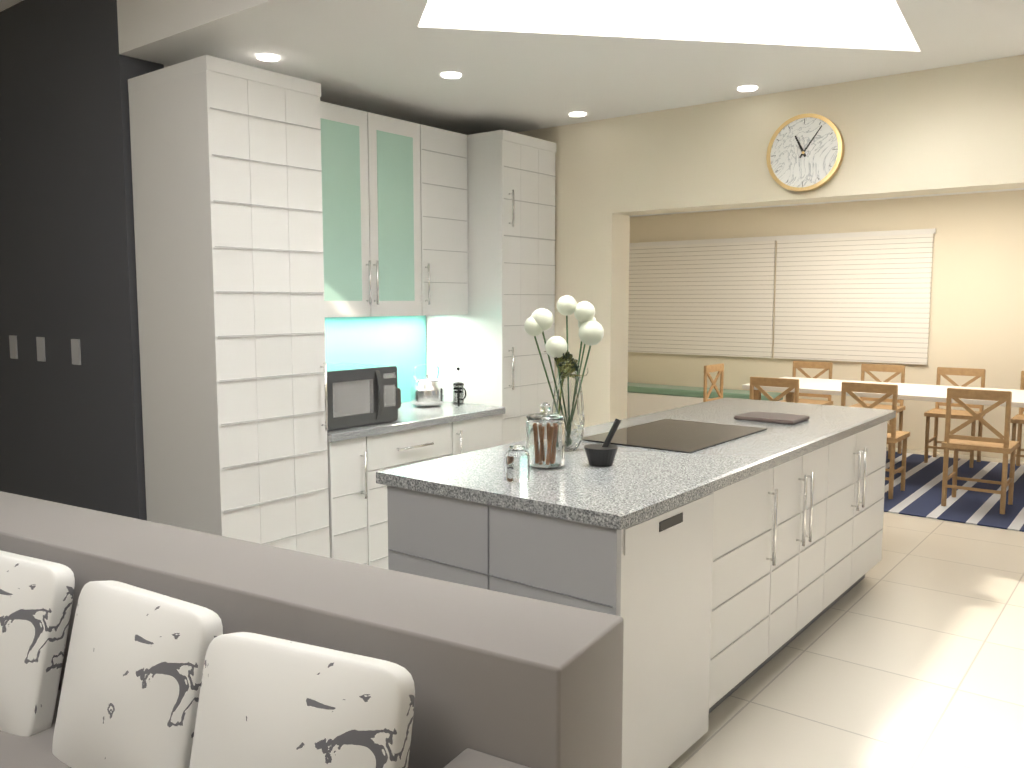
{"hour": 11, "minute": 6}
